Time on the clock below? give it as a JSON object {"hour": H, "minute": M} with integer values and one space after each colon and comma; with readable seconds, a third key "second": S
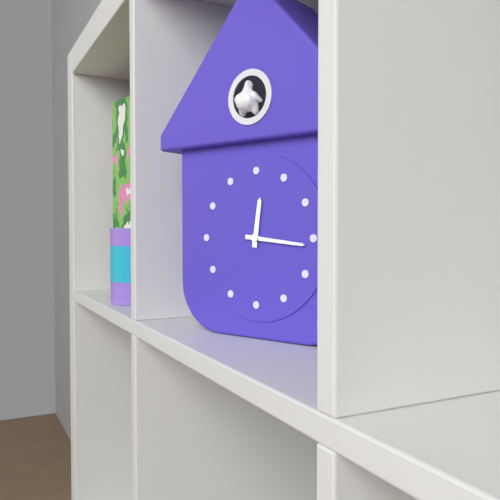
{"hour": 12, "minute": 16}
